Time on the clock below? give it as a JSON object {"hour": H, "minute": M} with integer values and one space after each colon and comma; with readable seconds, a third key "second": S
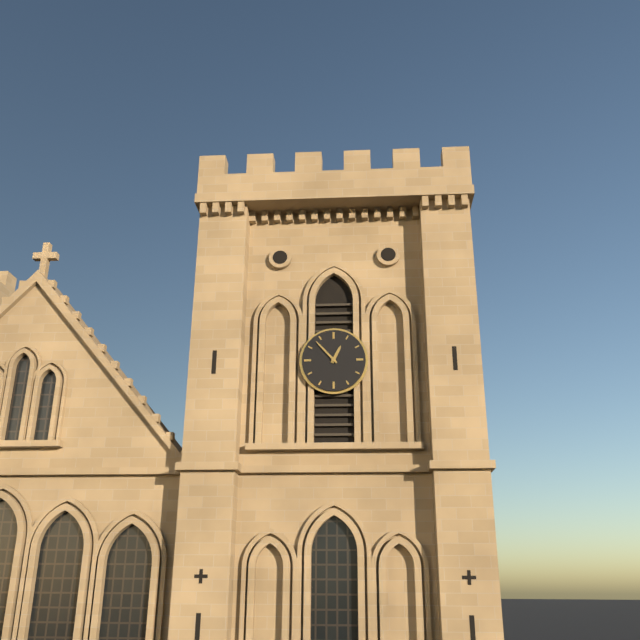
{"hour": 12, "minute": 53}
